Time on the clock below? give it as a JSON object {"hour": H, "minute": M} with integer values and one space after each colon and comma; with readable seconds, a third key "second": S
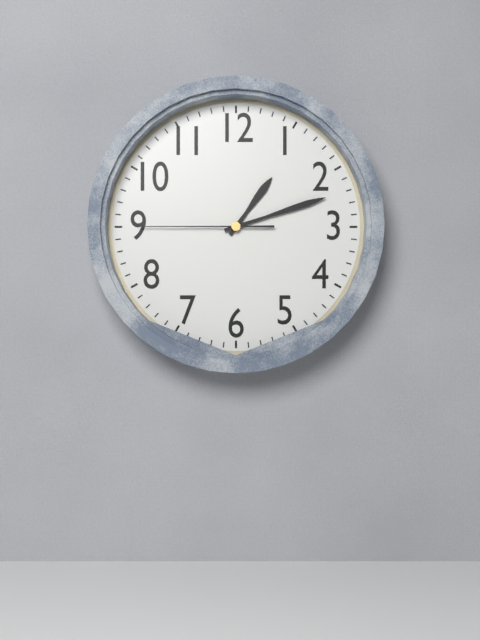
{"hour": 1, "minute": 12, "second": 45}
